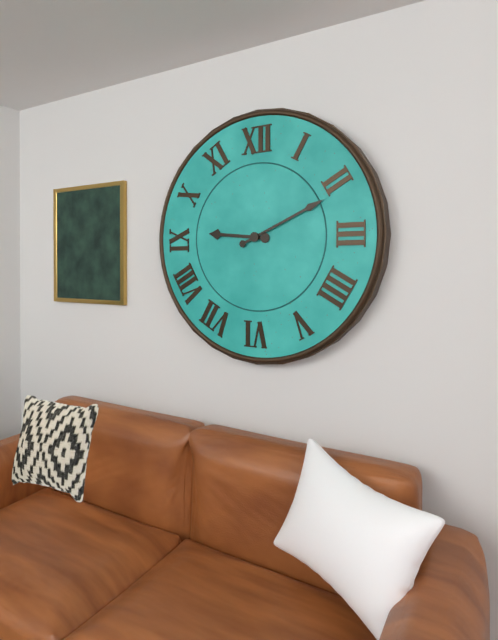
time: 9:11
